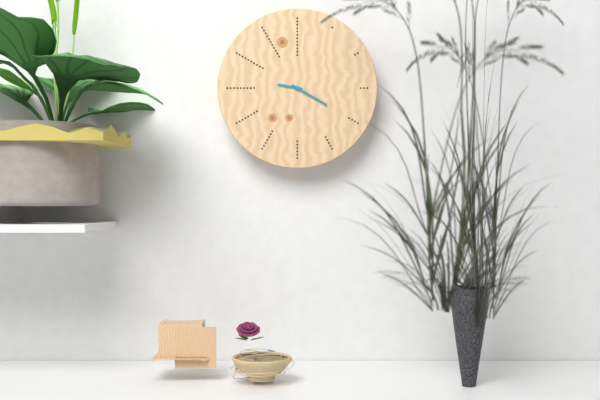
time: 9:20
